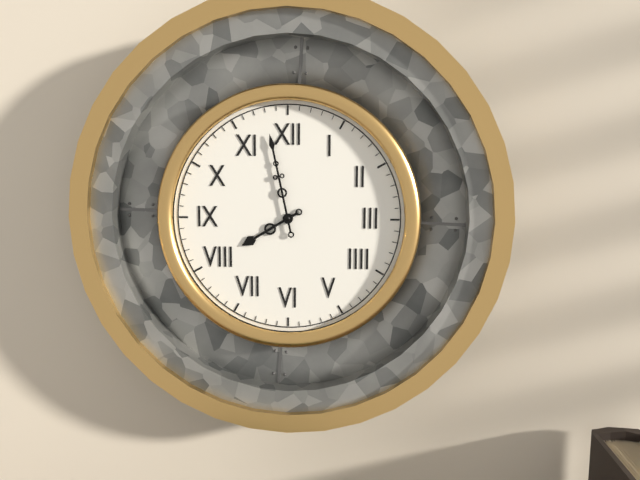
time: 7:58
